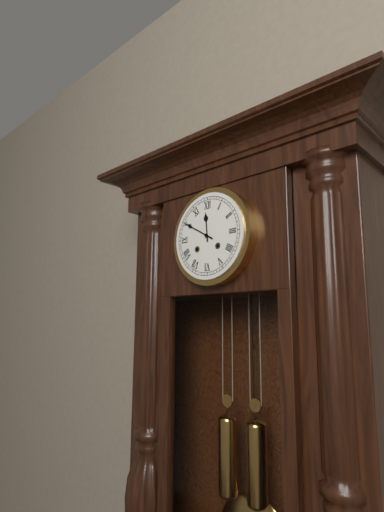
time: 11:50
